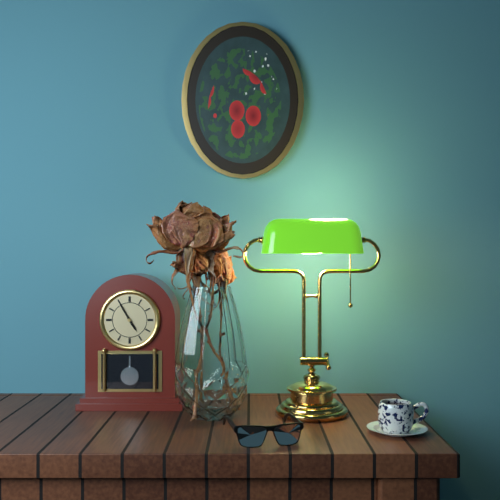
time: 4:55
